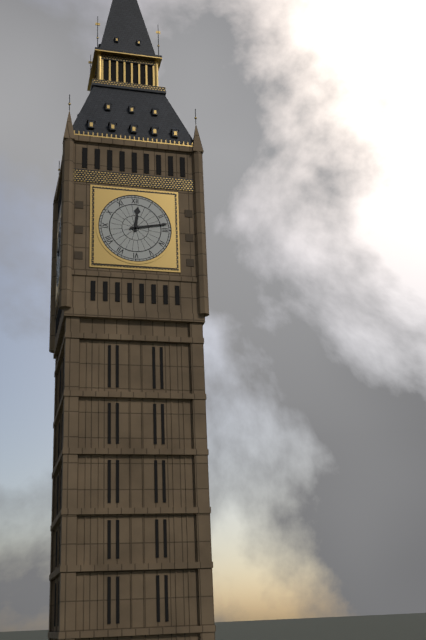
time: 12:13
